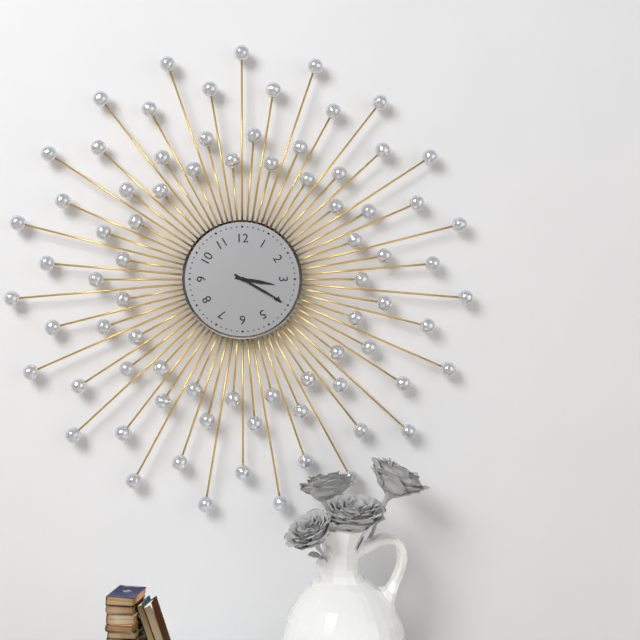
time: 3:20
